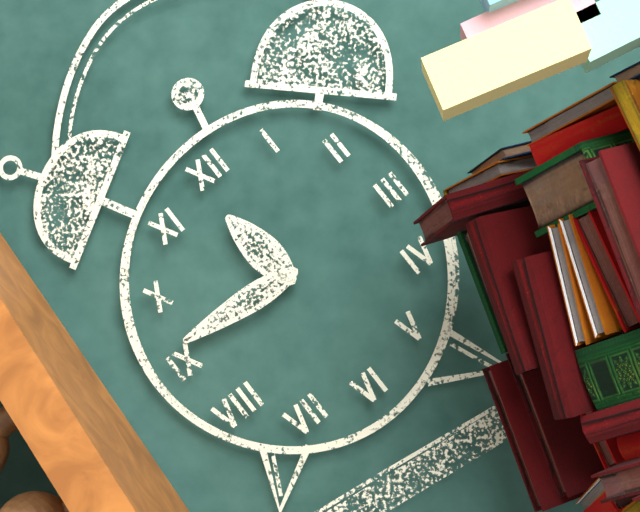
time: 11:46
